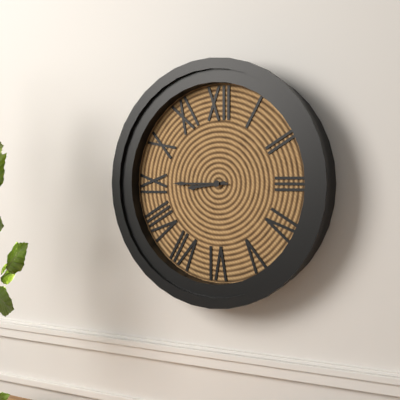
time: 8:45
